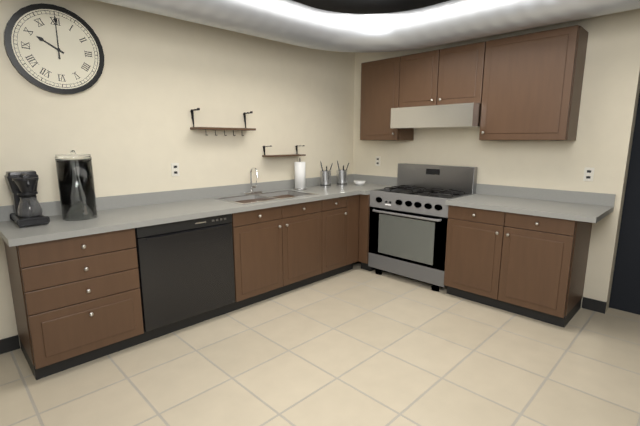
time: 10:00
